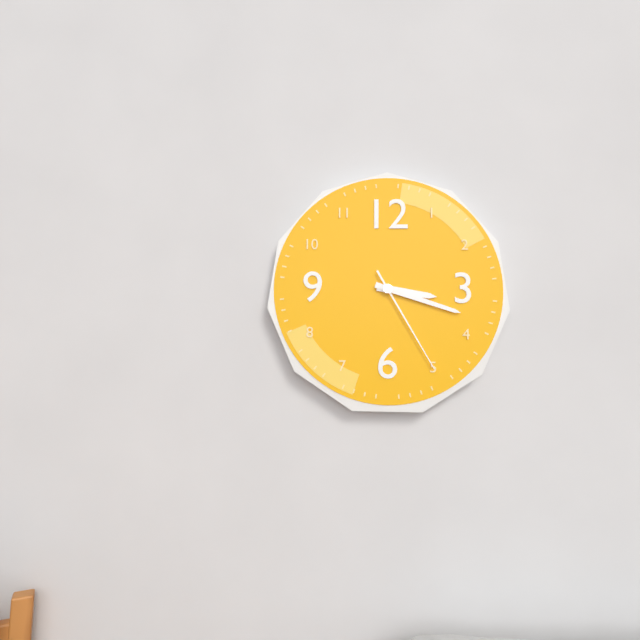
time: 3:18:25
